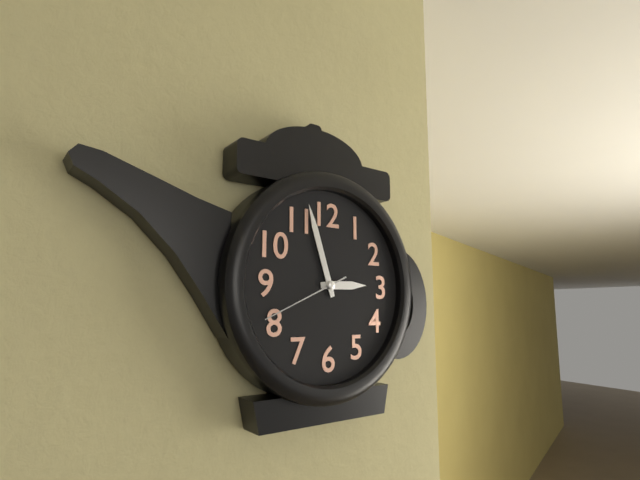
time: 2:57:41
